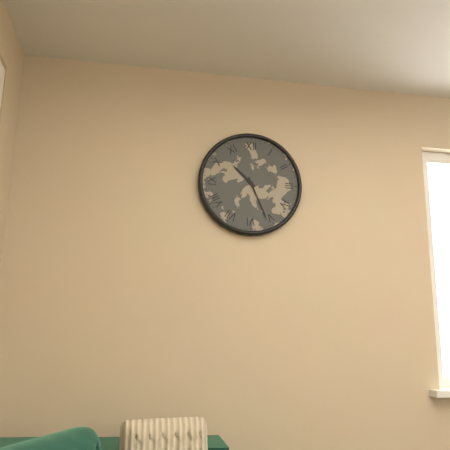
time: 10:26
